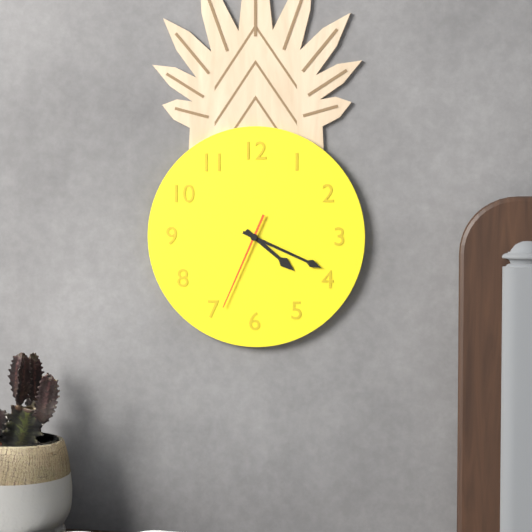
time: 4:19:34
